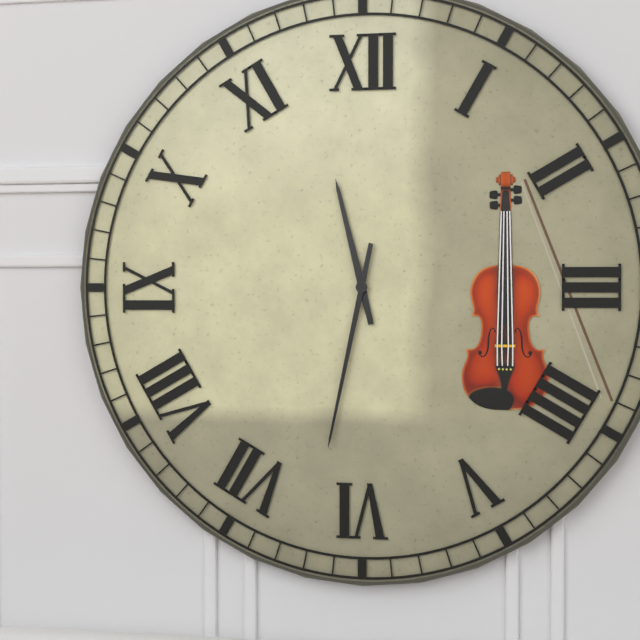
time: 11:32
